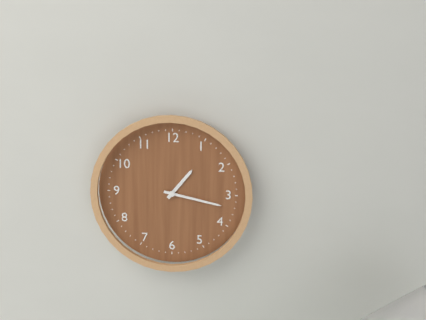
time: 1:17
